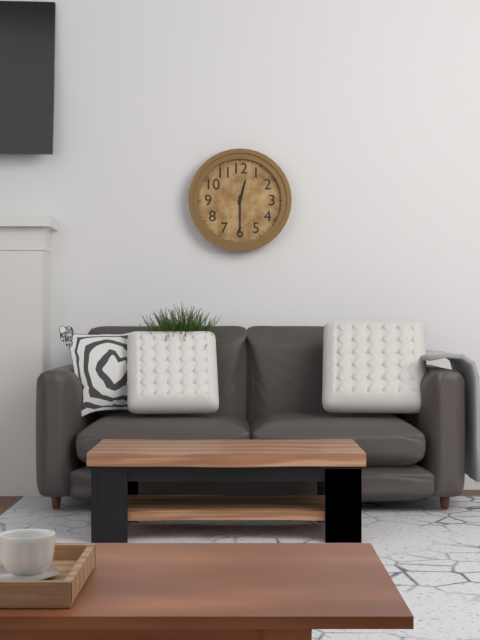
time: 12:30
